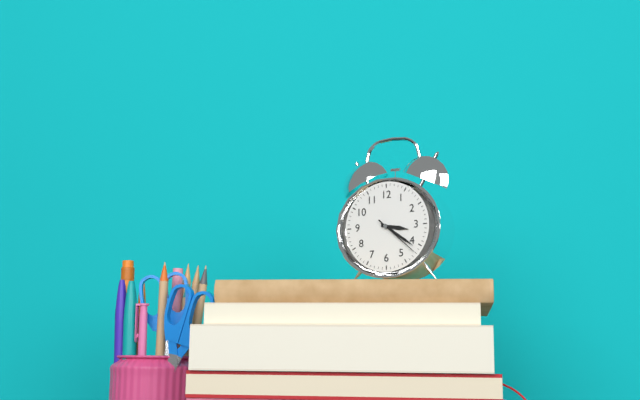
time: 3:21
